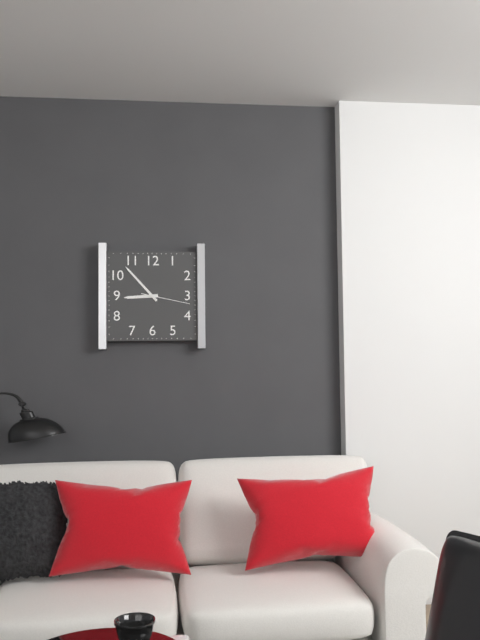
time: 8:53
